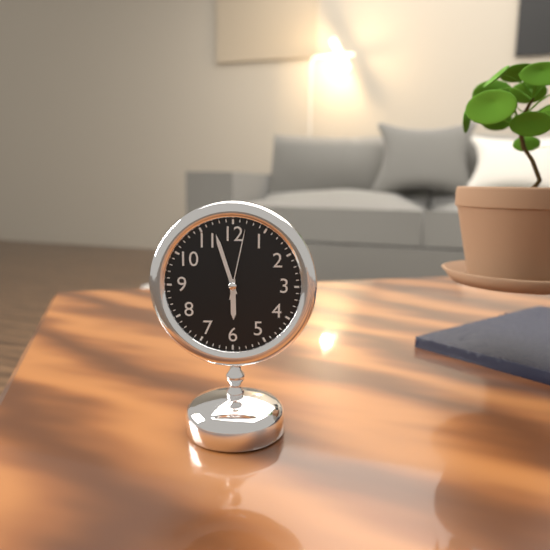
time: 5:57:02
